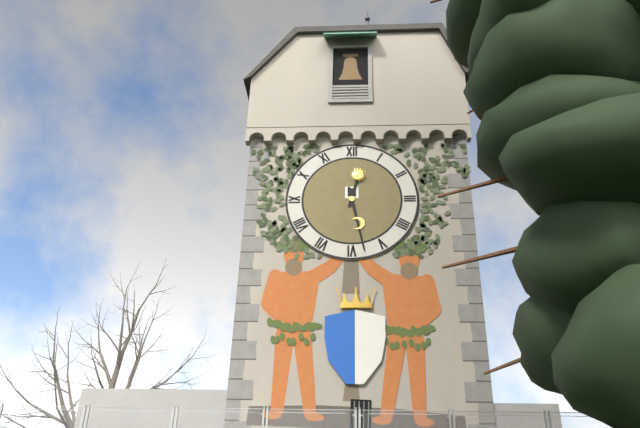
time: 12:28
